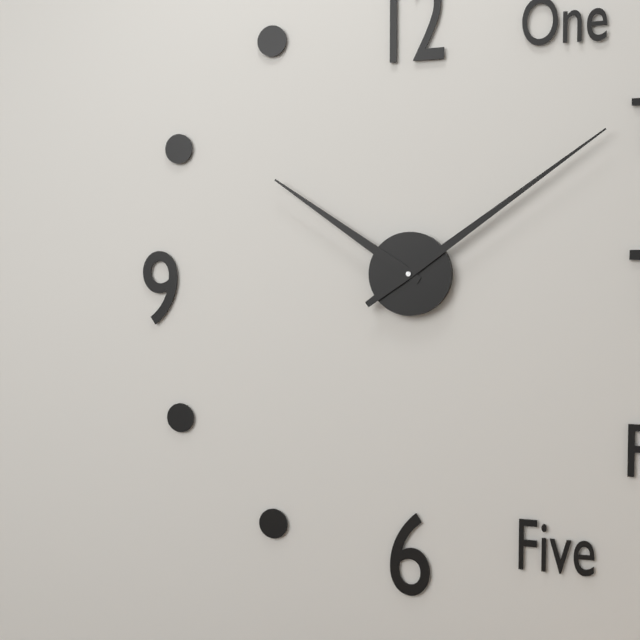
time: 10:09
